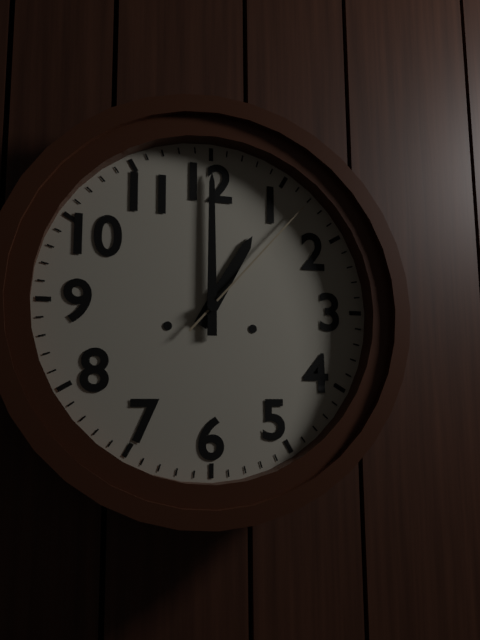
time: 1:00:07
